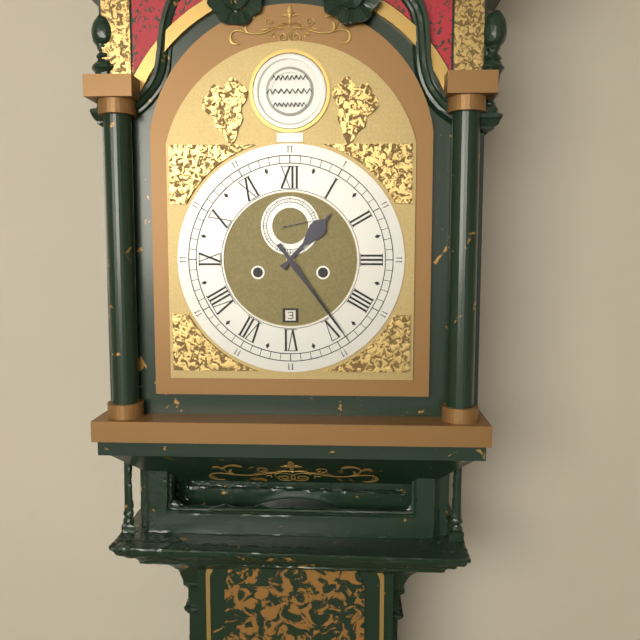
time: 1:24
